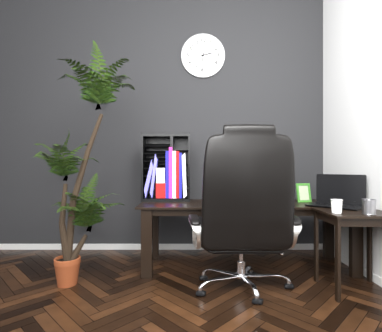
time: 2:31
